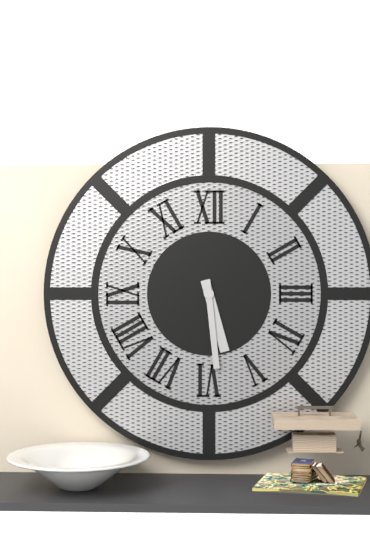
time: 5:29
